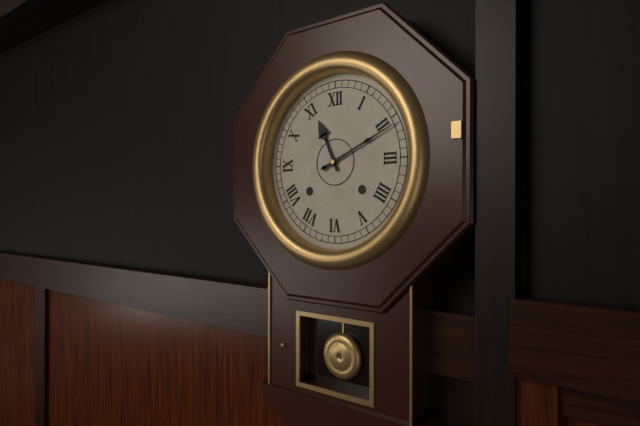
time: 11:11
